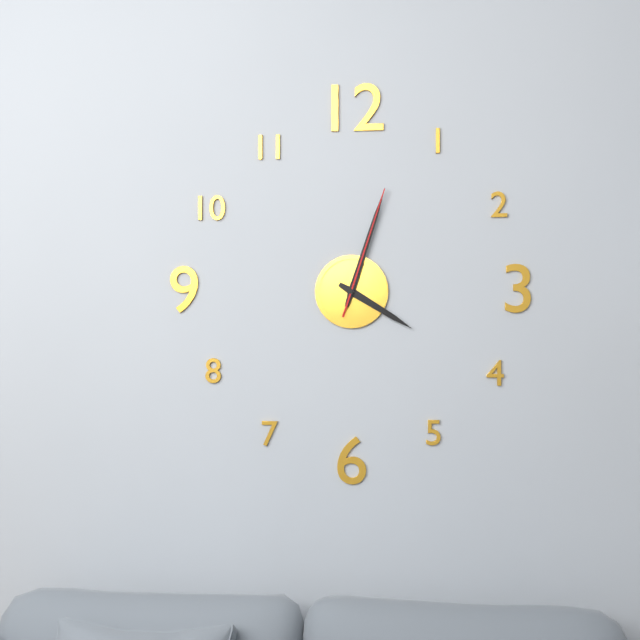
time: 4:03:03
